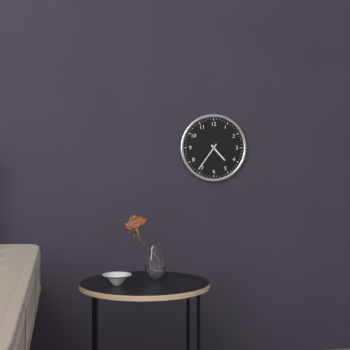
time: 4:36
